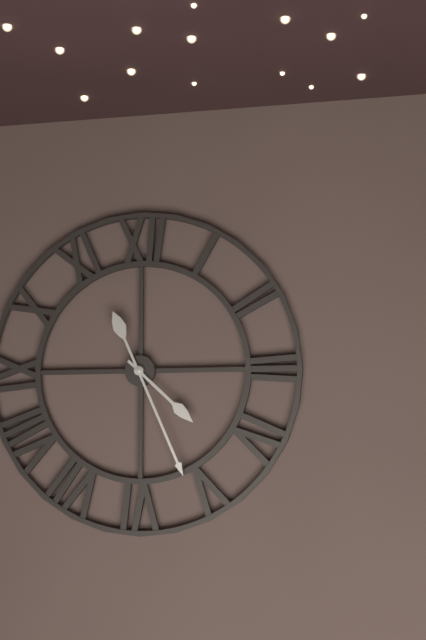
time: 4:26
